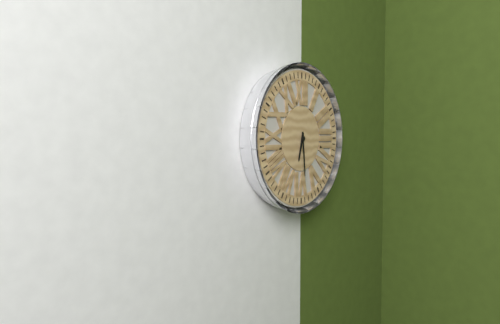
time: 6:29
